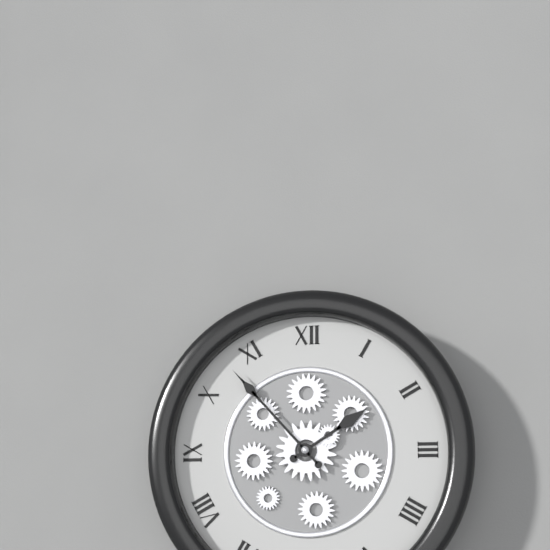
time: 1:53
